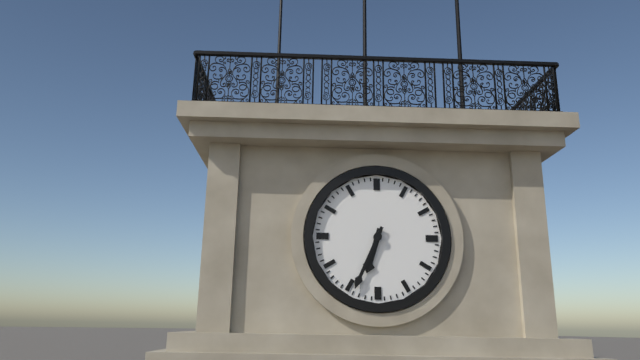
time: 6:34
